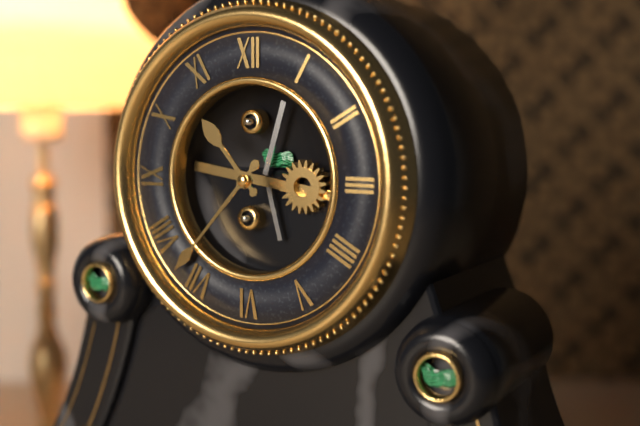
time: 10:37
